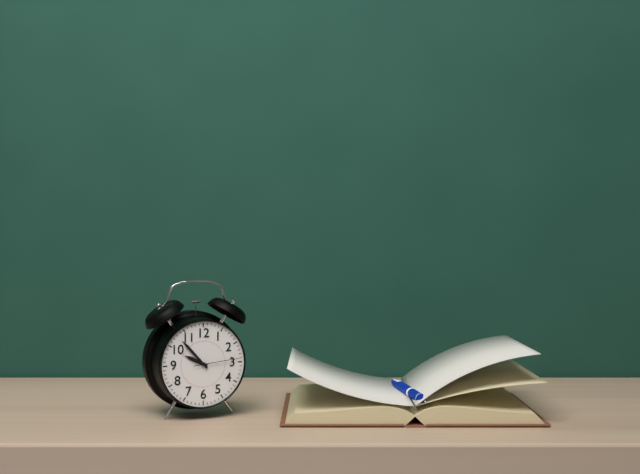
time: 9:53:14
